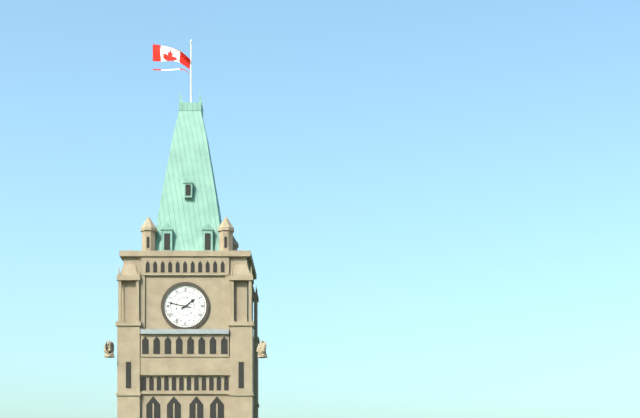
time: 1:47
